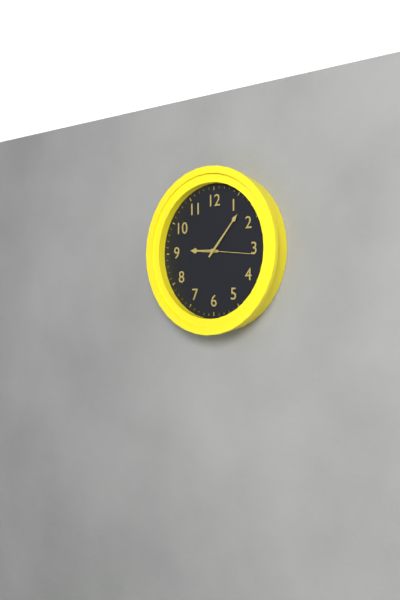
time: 9:07:16
